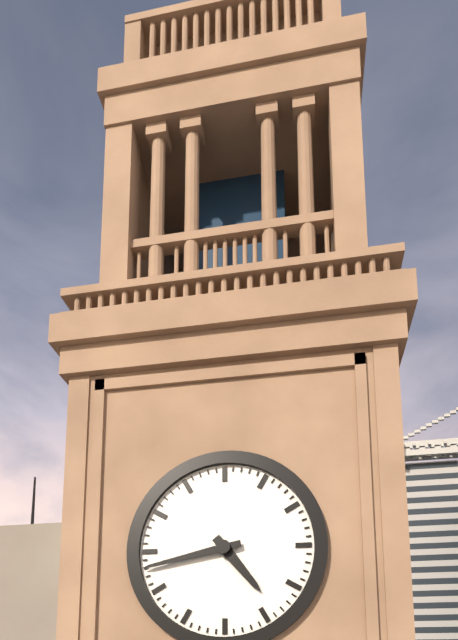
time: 4:43
